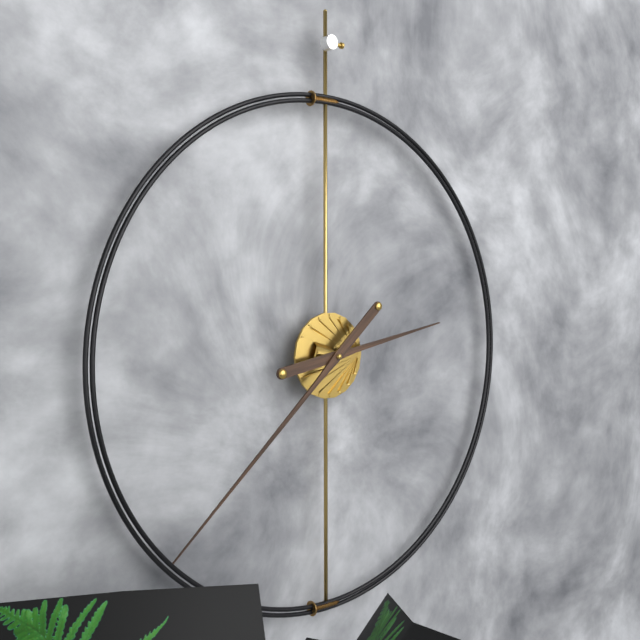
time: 2:38
